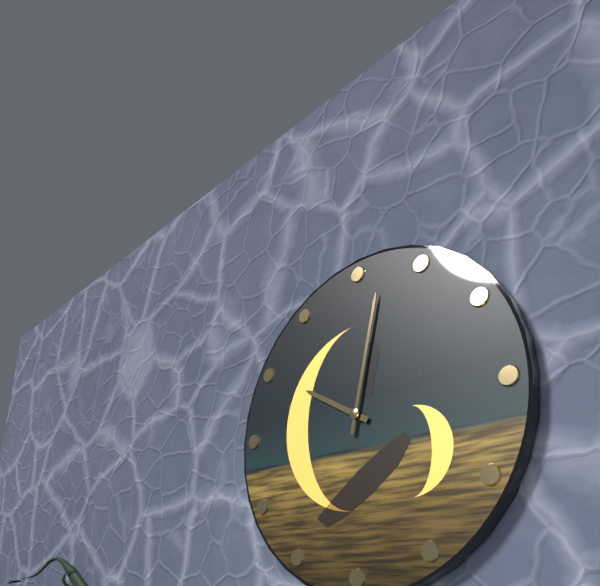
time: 10:02
